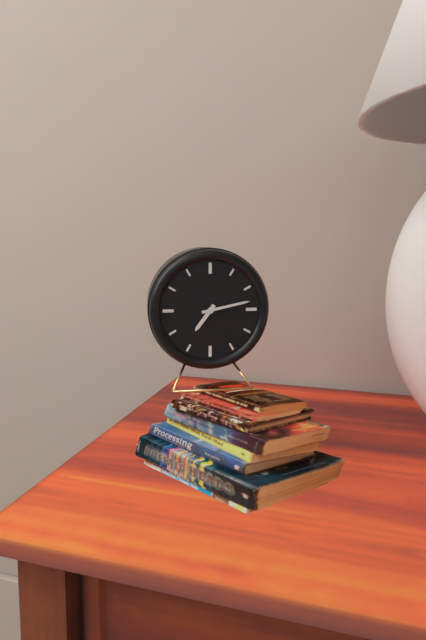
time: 7:13
